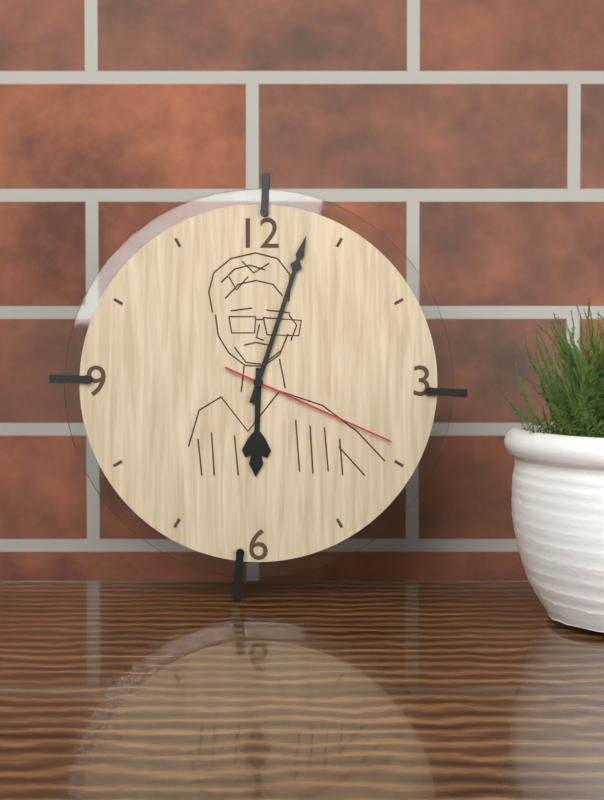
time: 6:03:19
